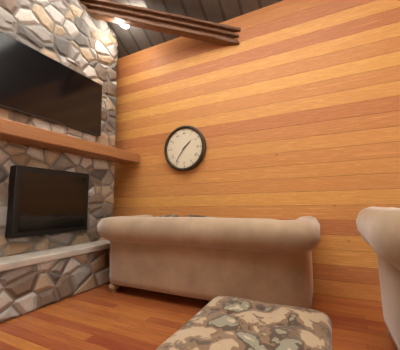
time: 1:36
